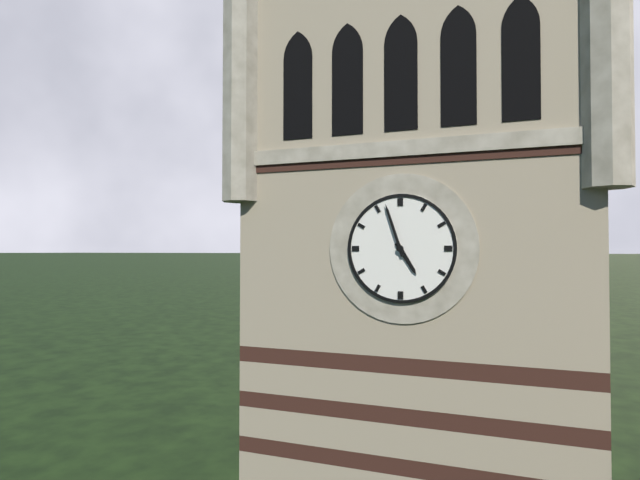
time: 4:57
